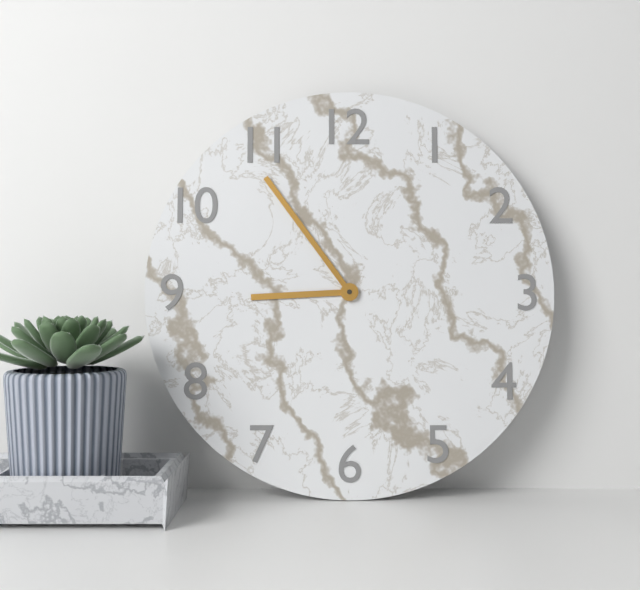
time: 8:54
